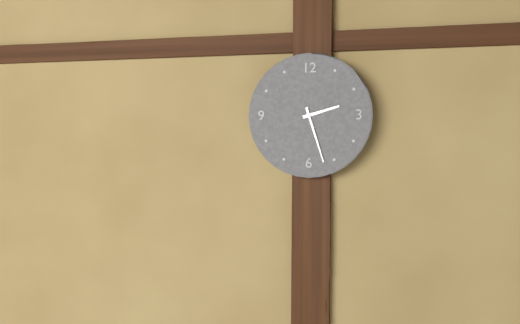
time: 2:27
